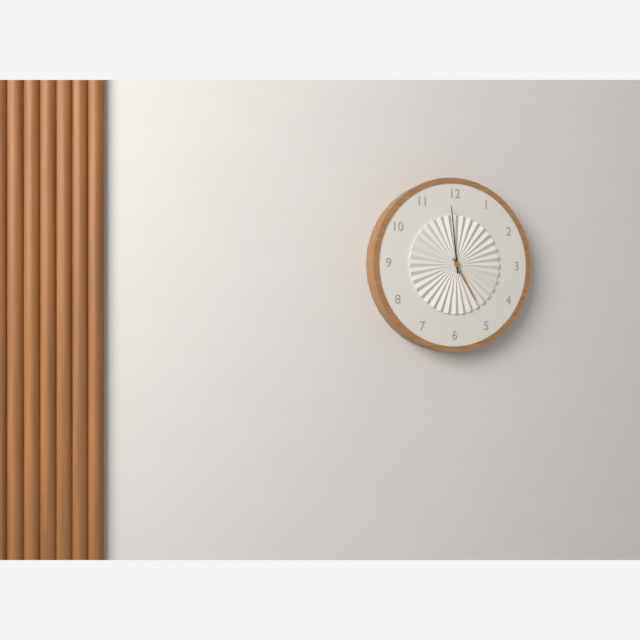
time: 4:59
